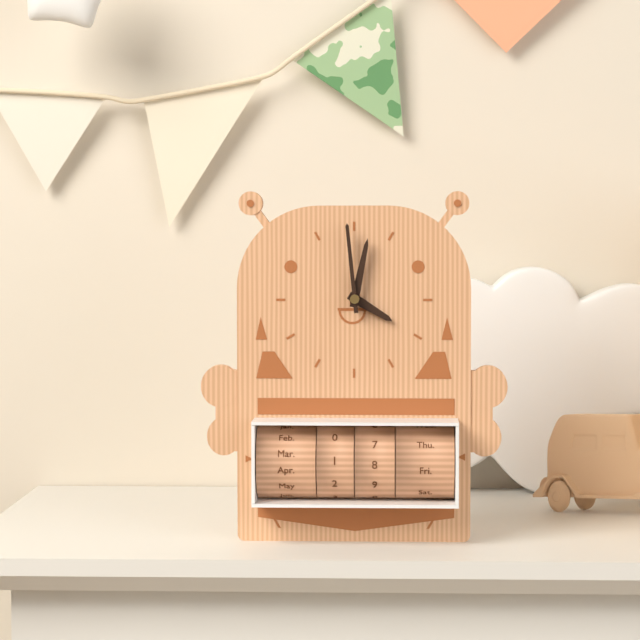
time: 4:02:59
